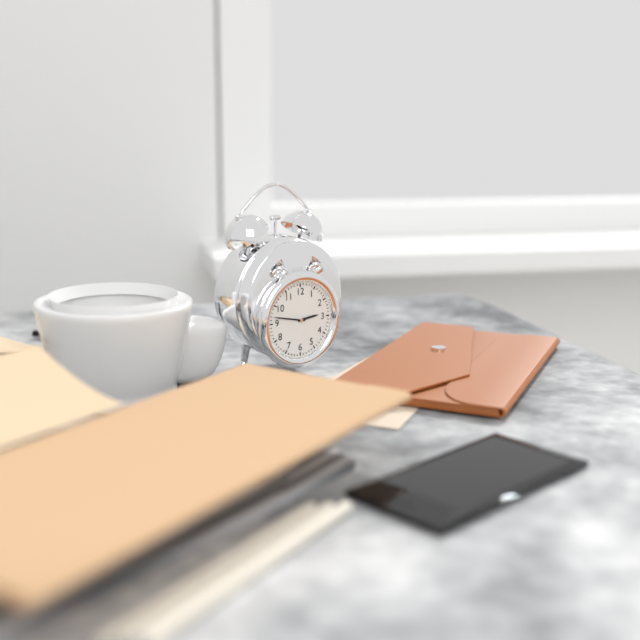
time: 2:47
